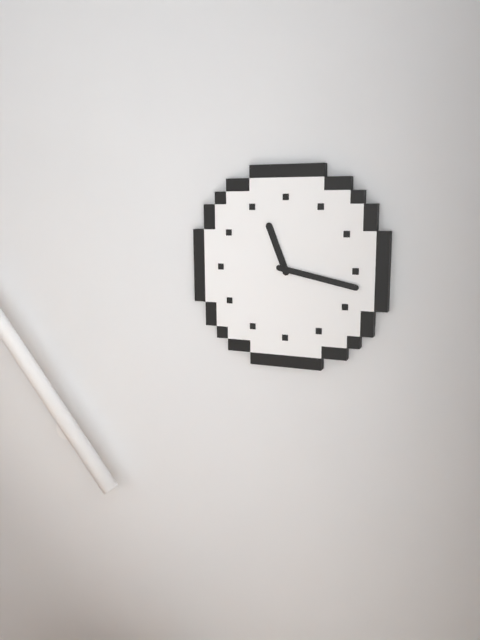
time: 11:17
